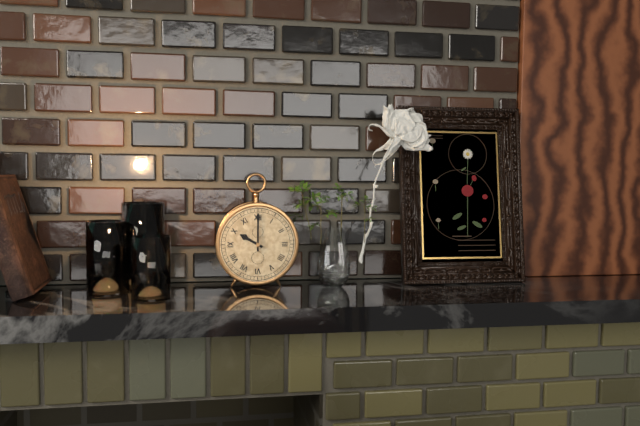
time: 10:00
